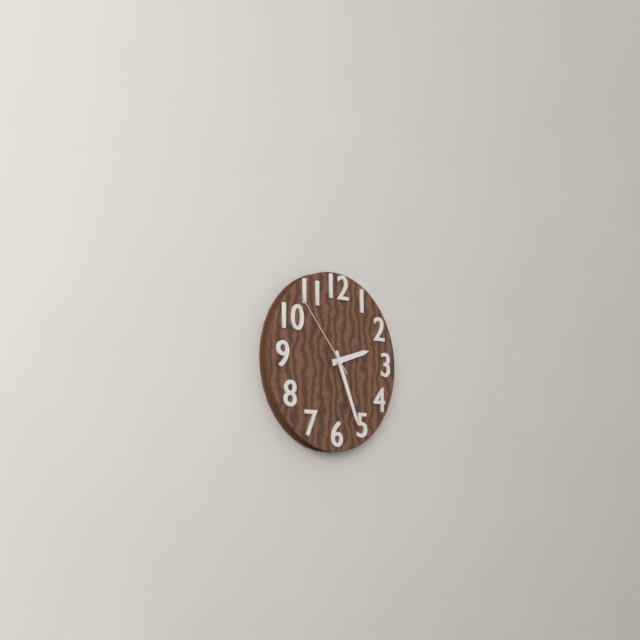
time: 2:26:53
